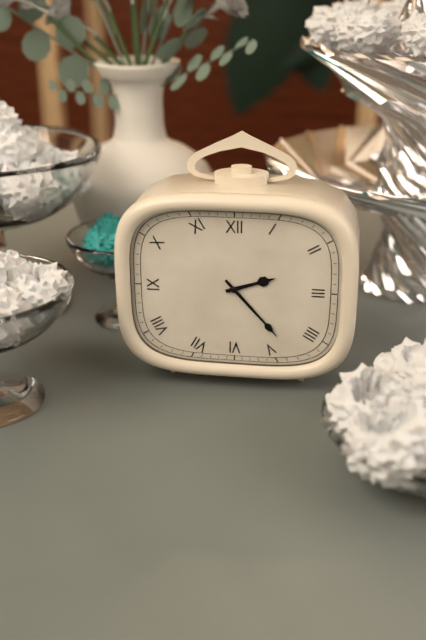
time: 2:23
